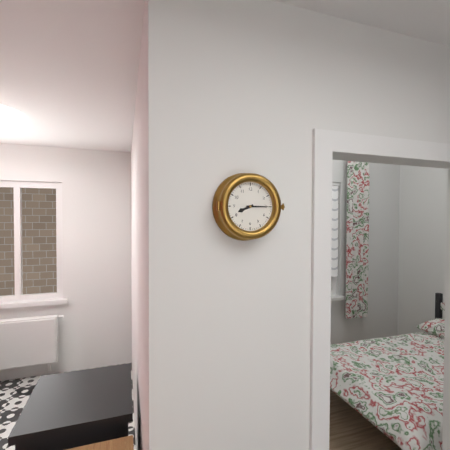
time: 8:15
